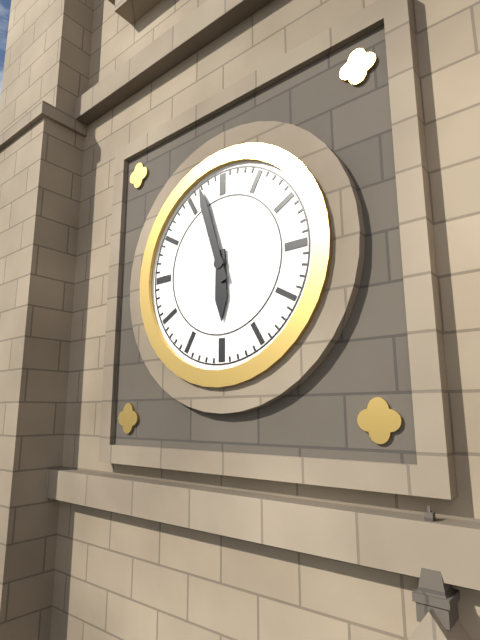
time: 5:57
